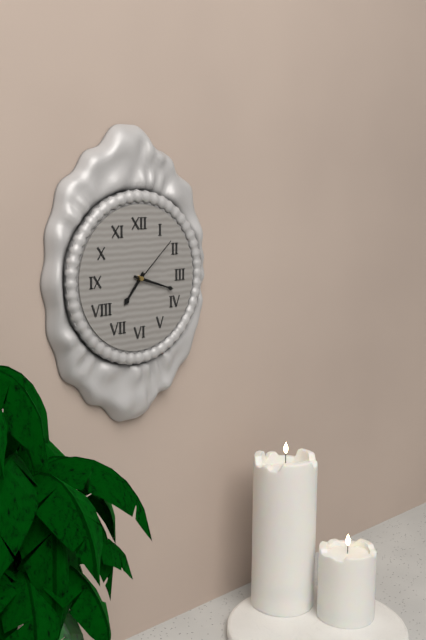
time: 7:18:08
